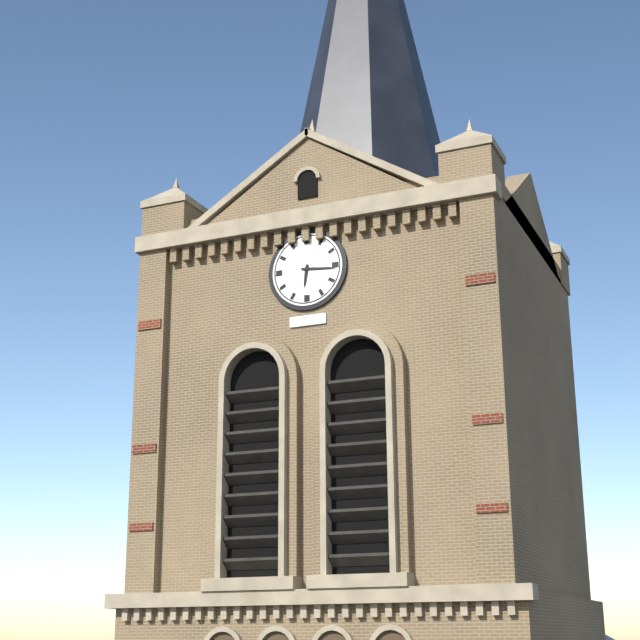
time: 6:16
